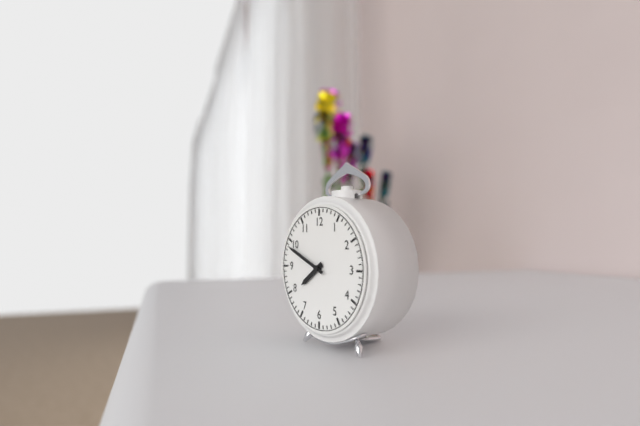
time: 7:49
